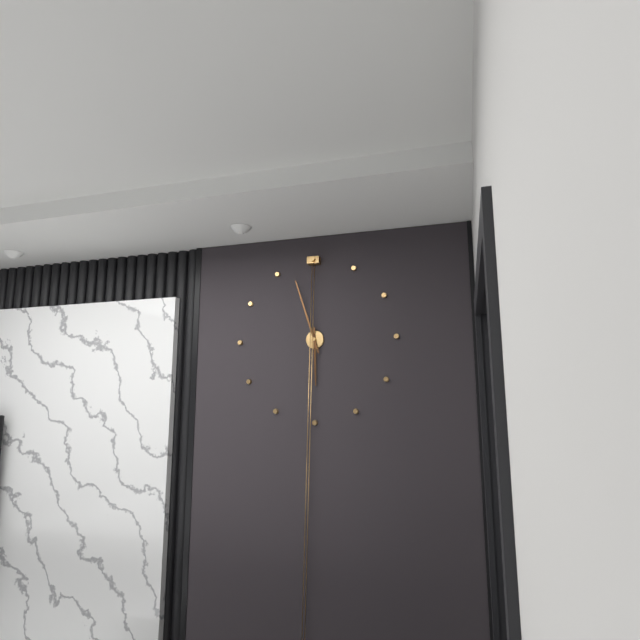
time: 5:57
